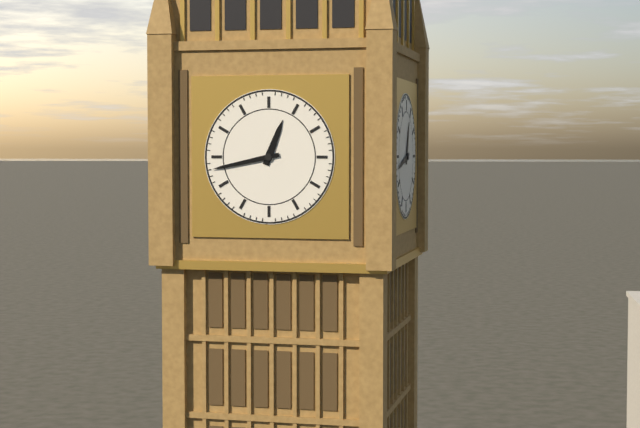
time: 12:43
